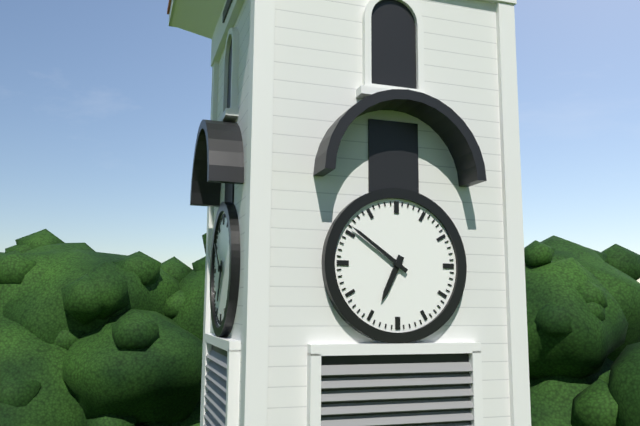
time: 6:51
